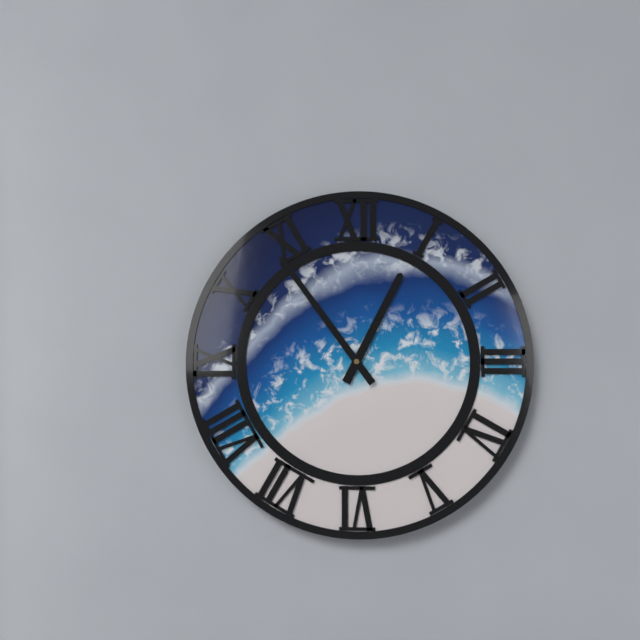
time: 12:54
